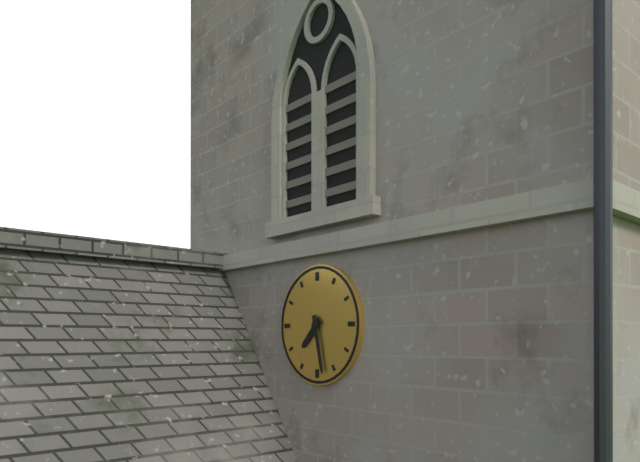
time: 7:28
